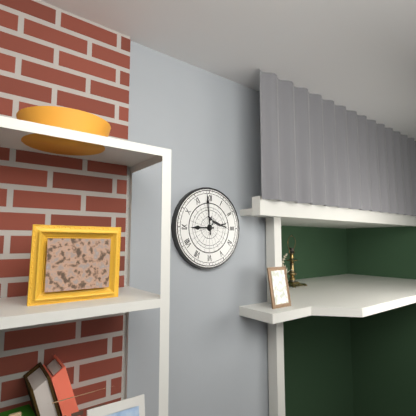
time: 8:59
